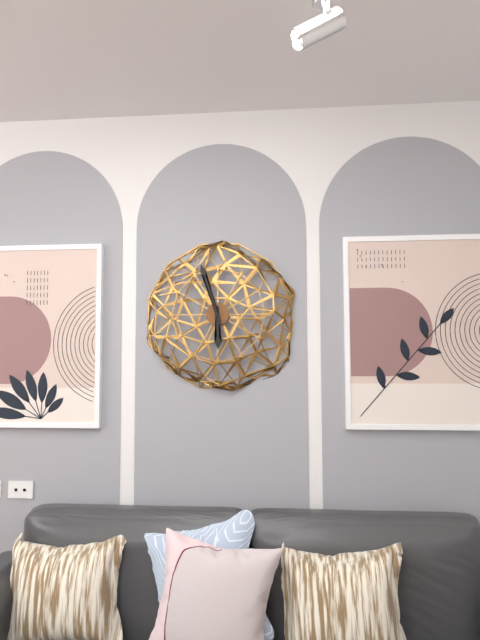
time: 5:57
